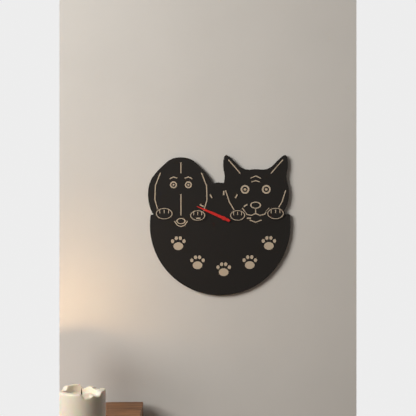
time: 9:49
